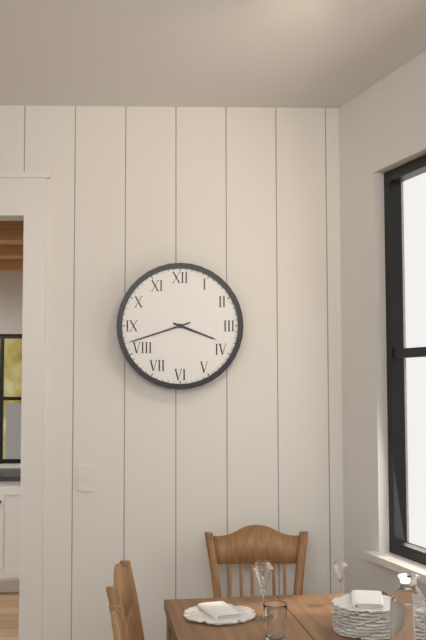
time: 3:42
